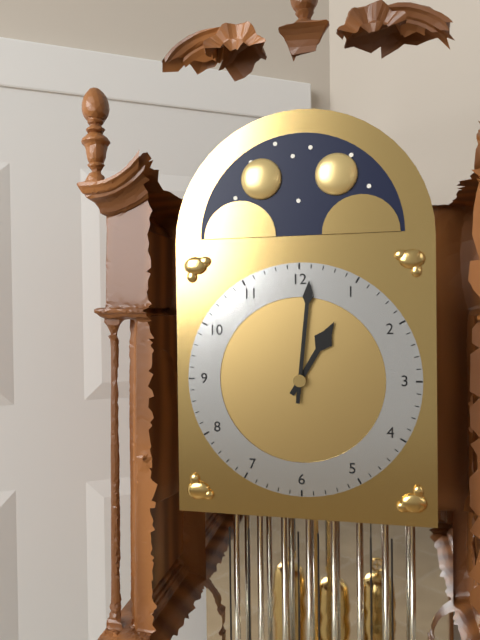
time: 1:01
